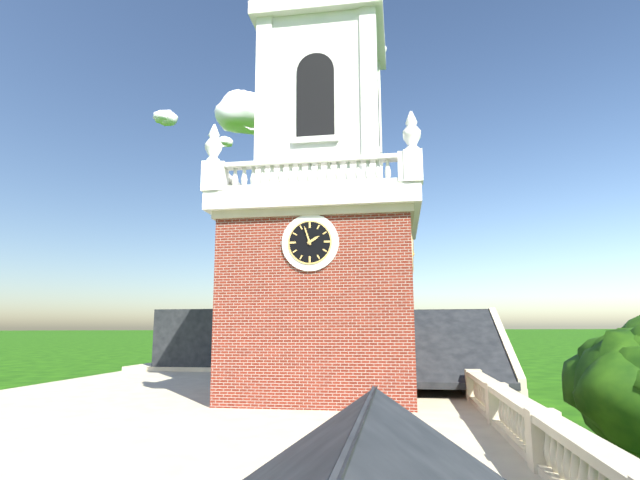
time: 1:57
